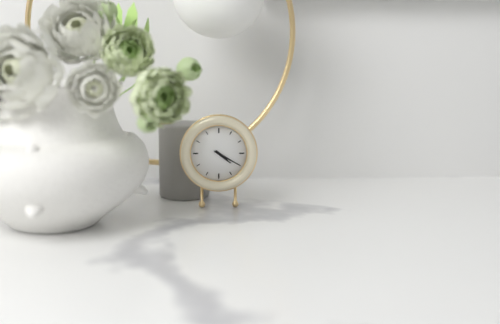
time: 4:20
